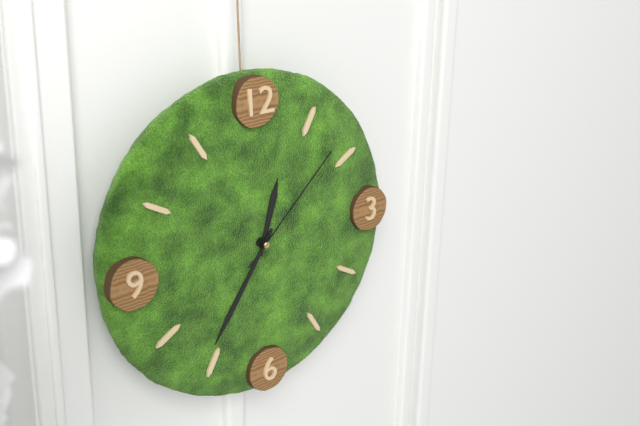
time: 12:36:08
